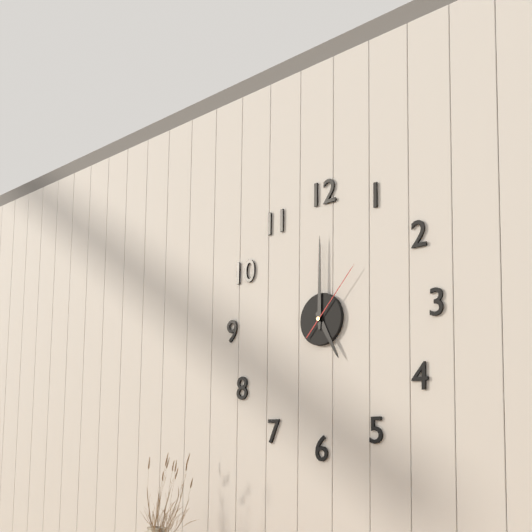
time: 5:00:07
